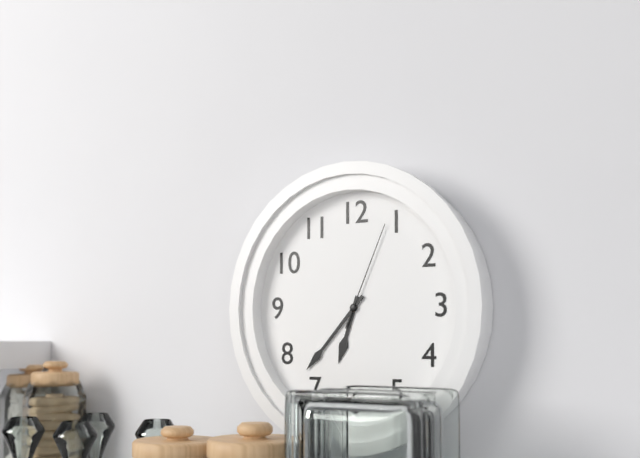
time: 6:37:04
